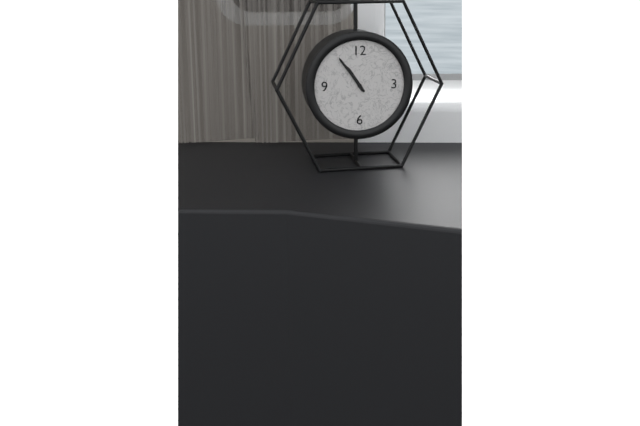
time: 10:54
